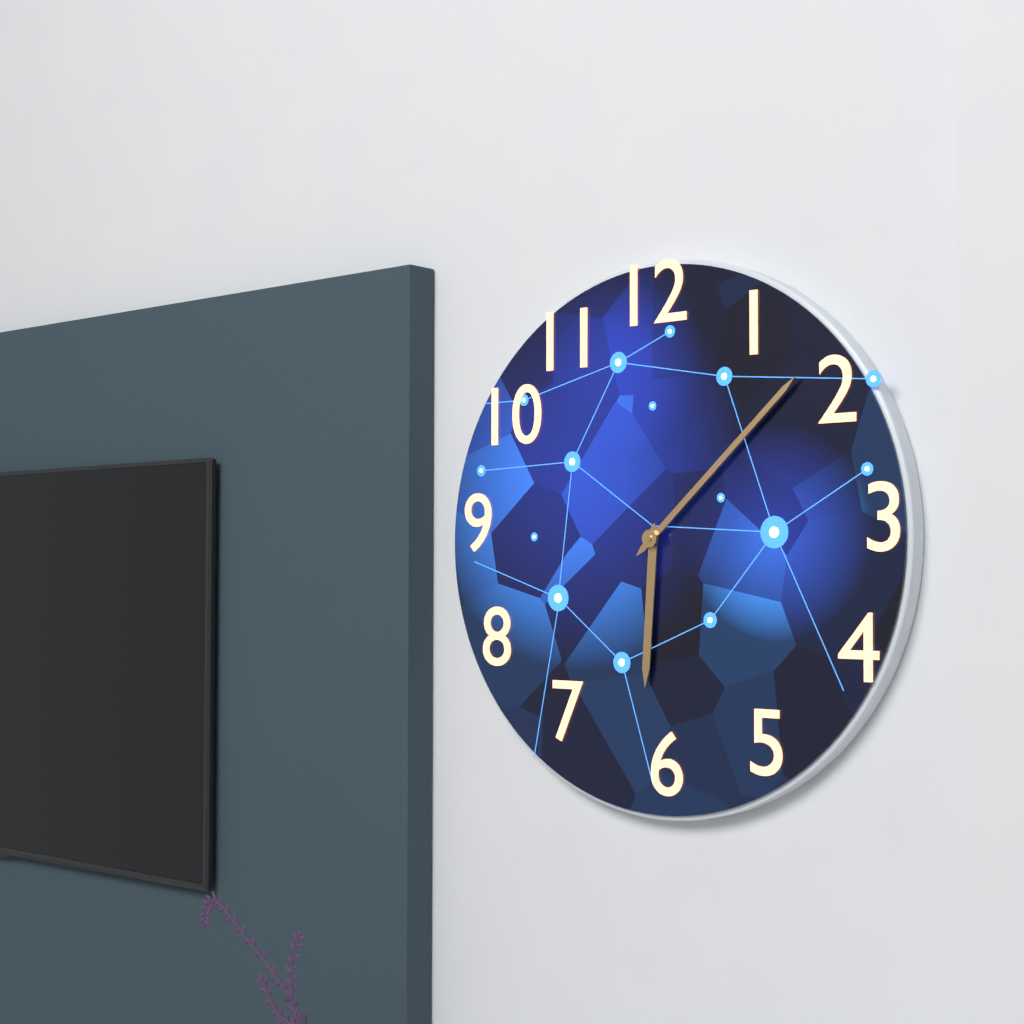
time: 6:08
